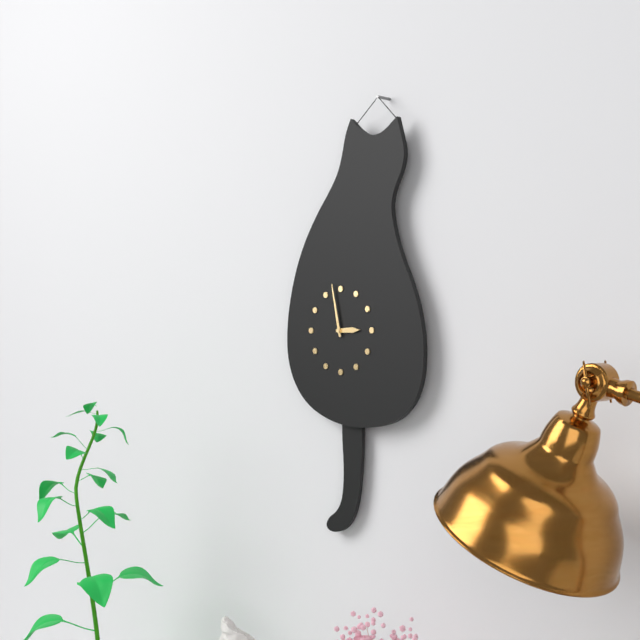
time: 2:58
